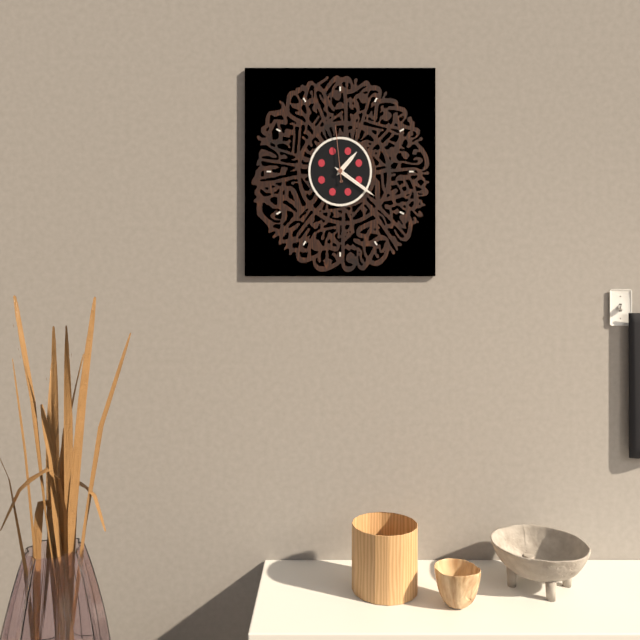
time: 1:21:59
